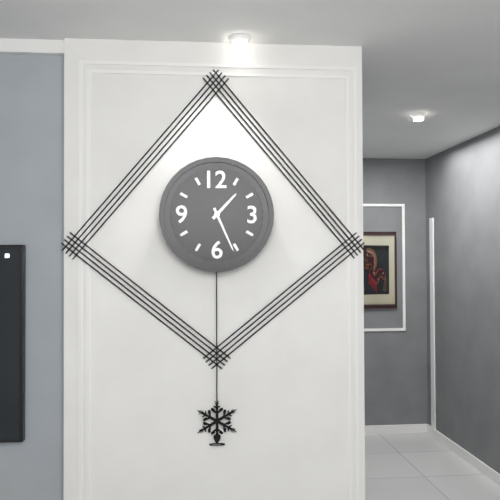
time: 1:26
